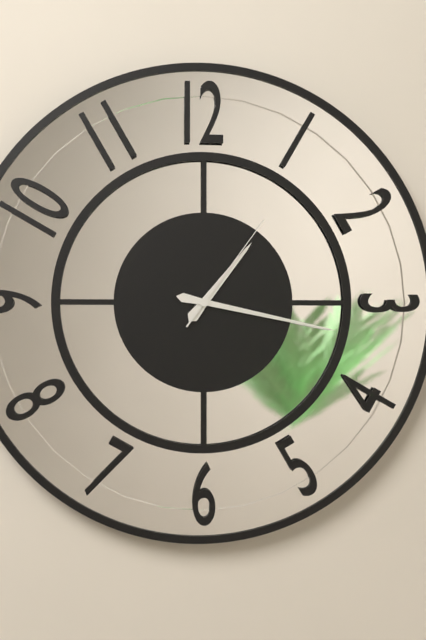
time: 1:17:06
